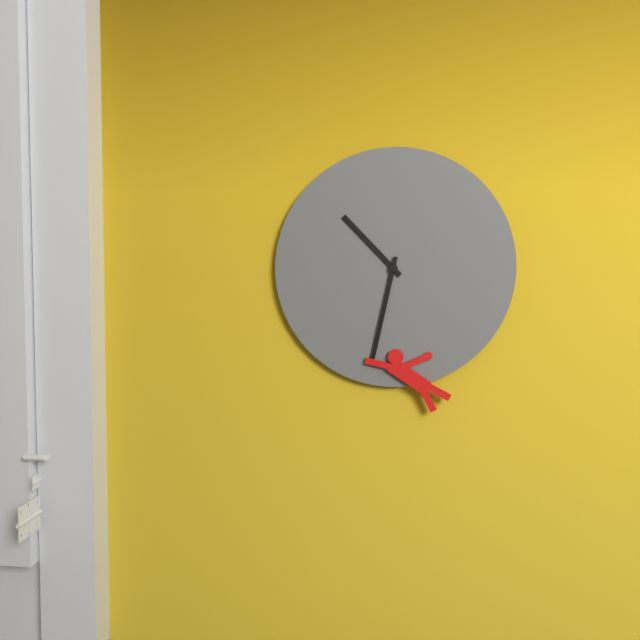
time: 10:32
